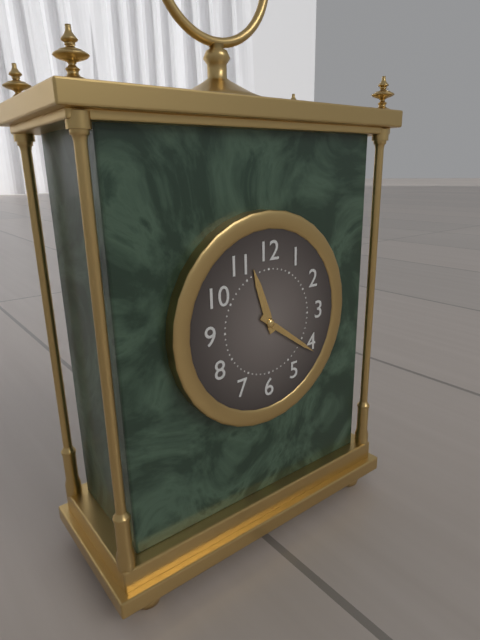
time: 11:21
